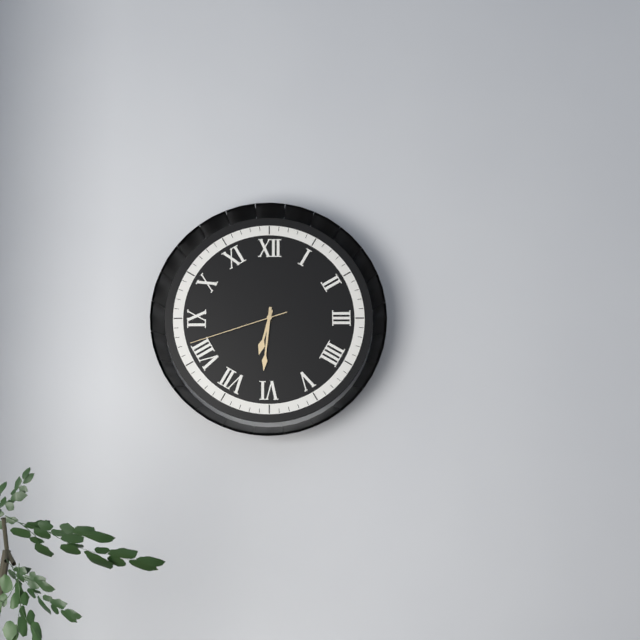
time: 6:31:42
